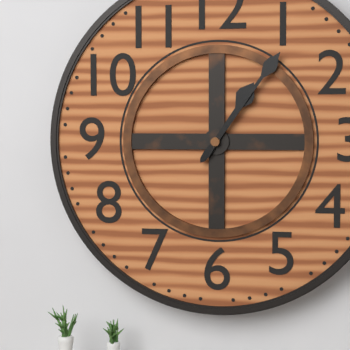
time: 1:06
